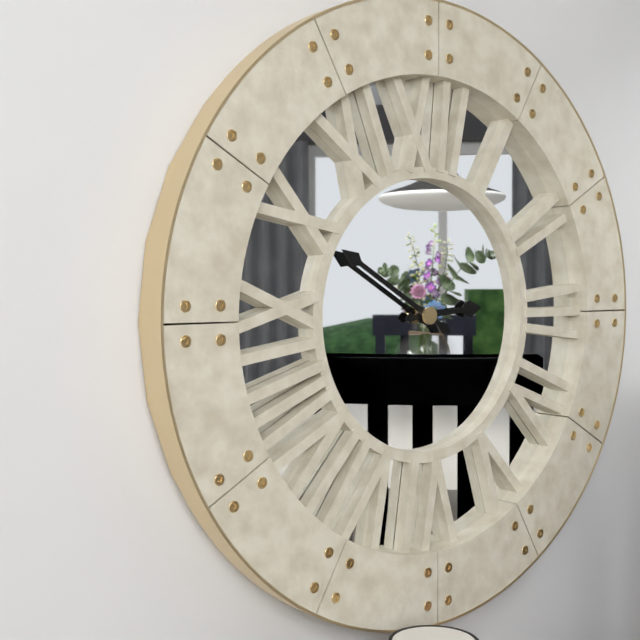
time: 2:50
